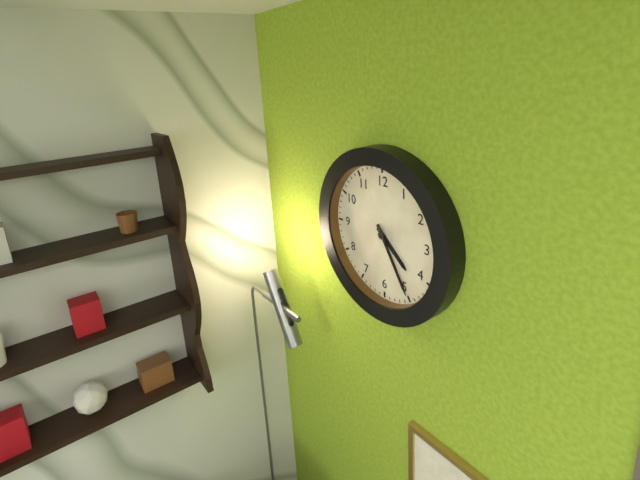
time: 4:25
